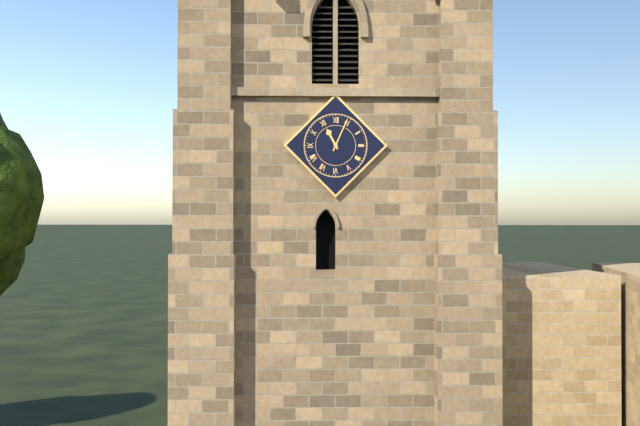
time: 11:04
